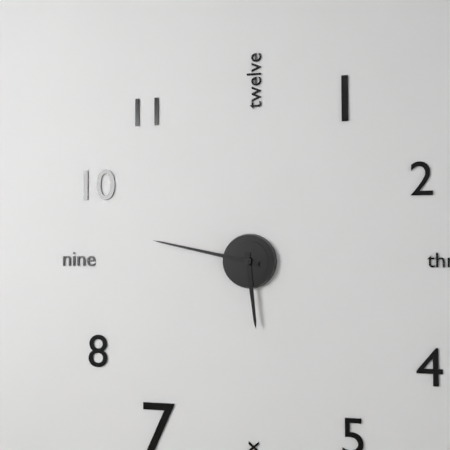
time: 5:47
